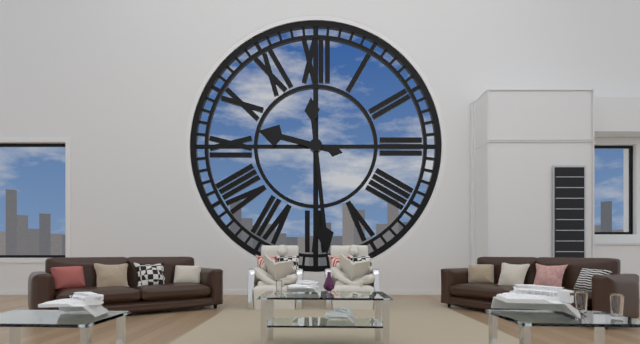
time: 9:29
